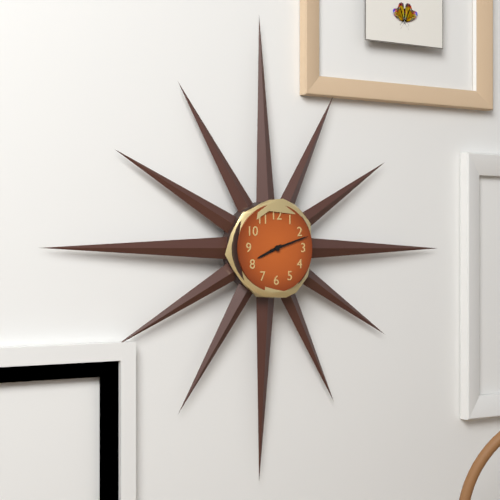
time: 8:12
